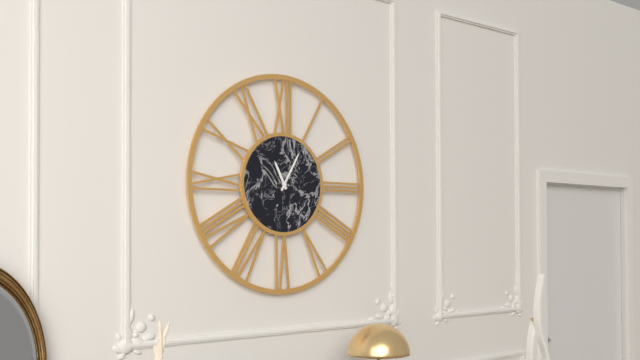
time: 11:05
